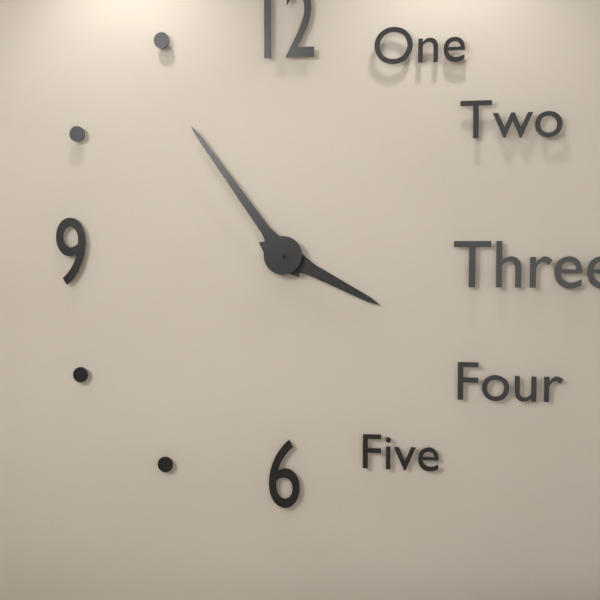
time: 3:54
